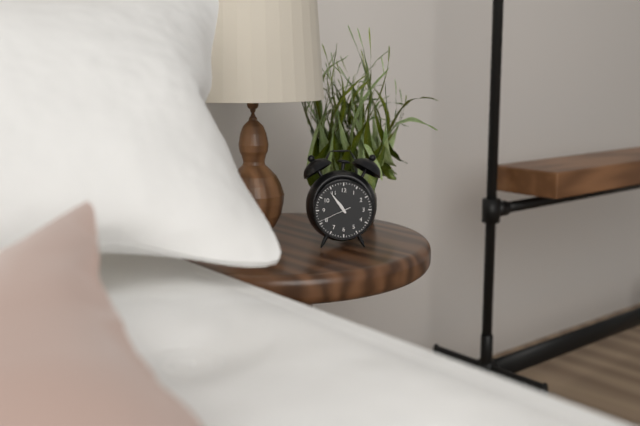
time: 10:54
